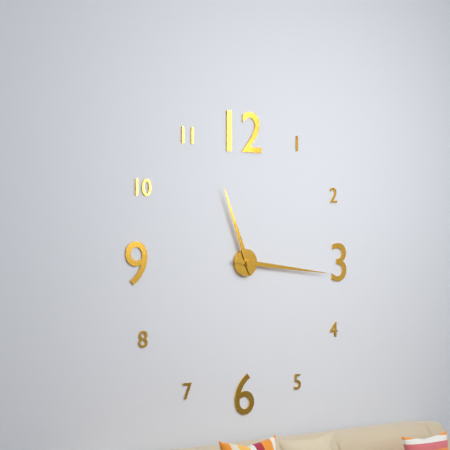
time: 11:16
